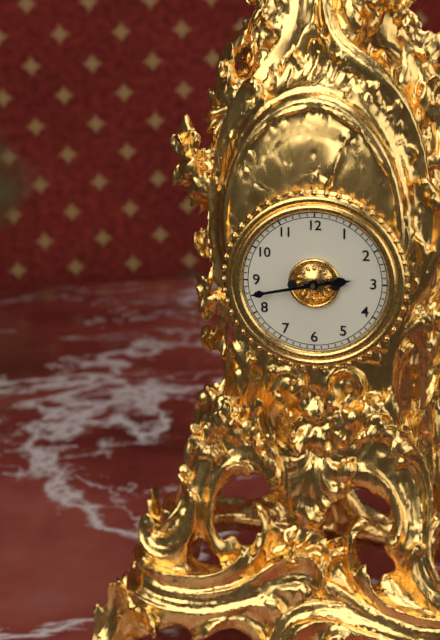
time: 2:43
